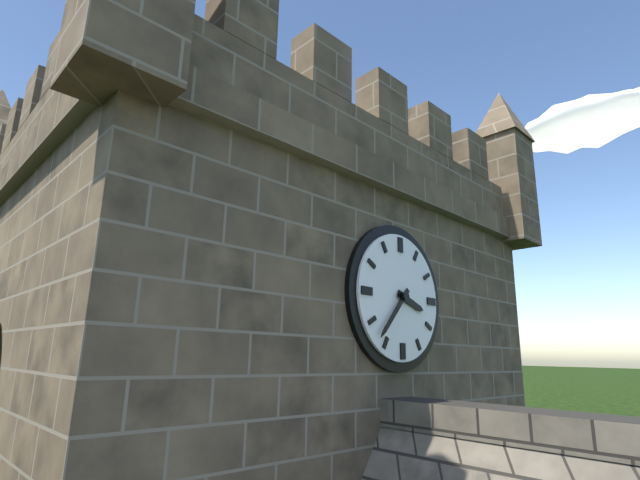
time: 3:37
